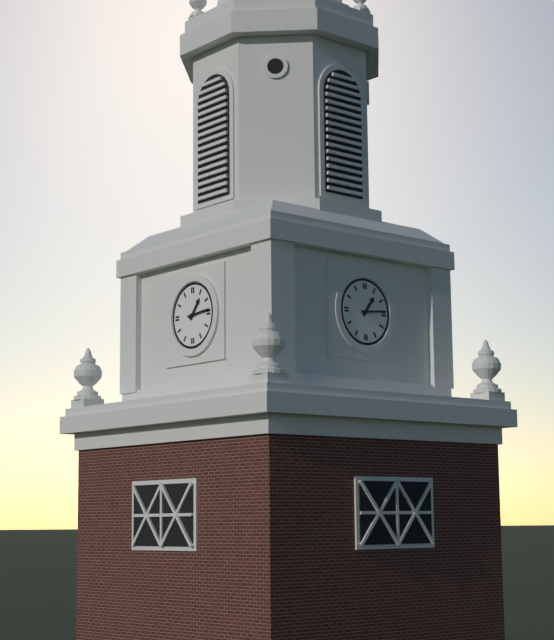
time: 1:14
